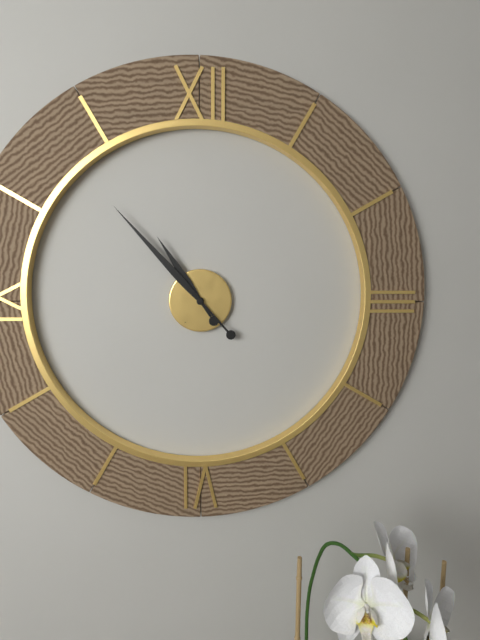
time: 10:53
